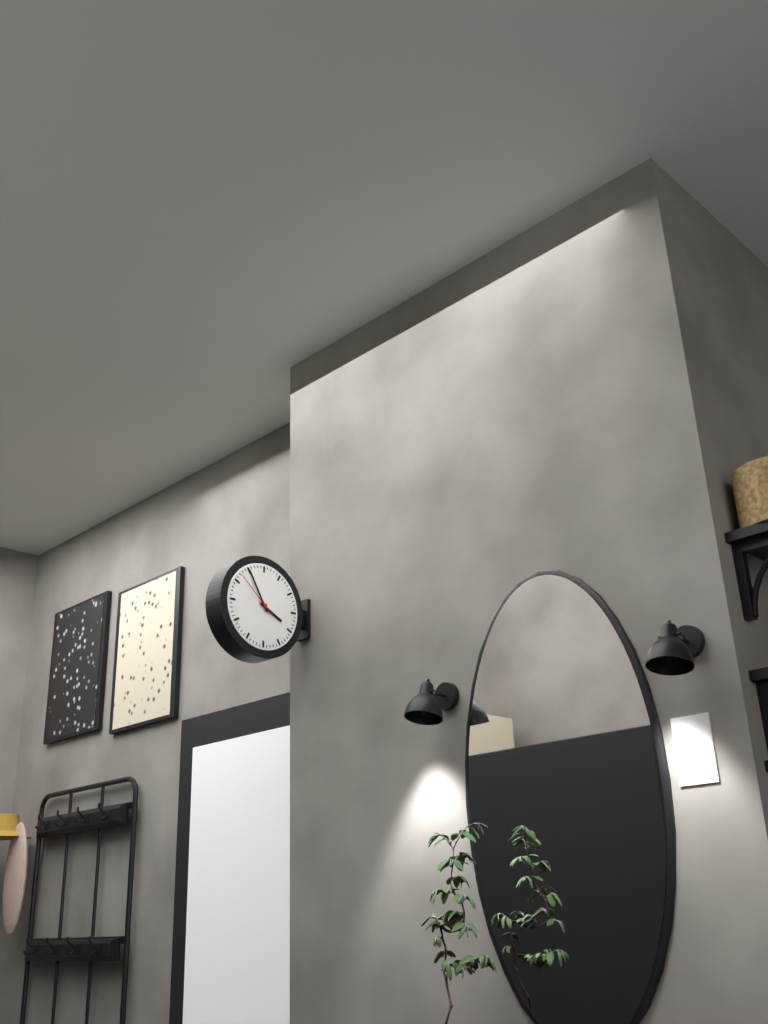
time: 3:55
